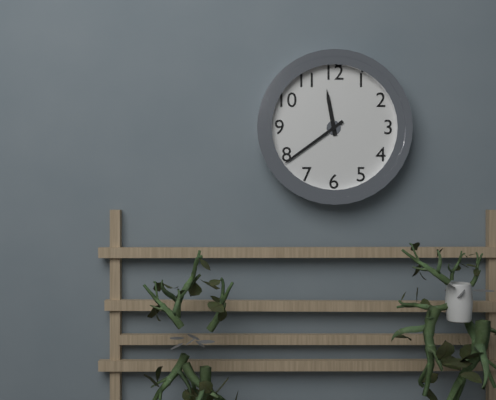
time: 11:39
